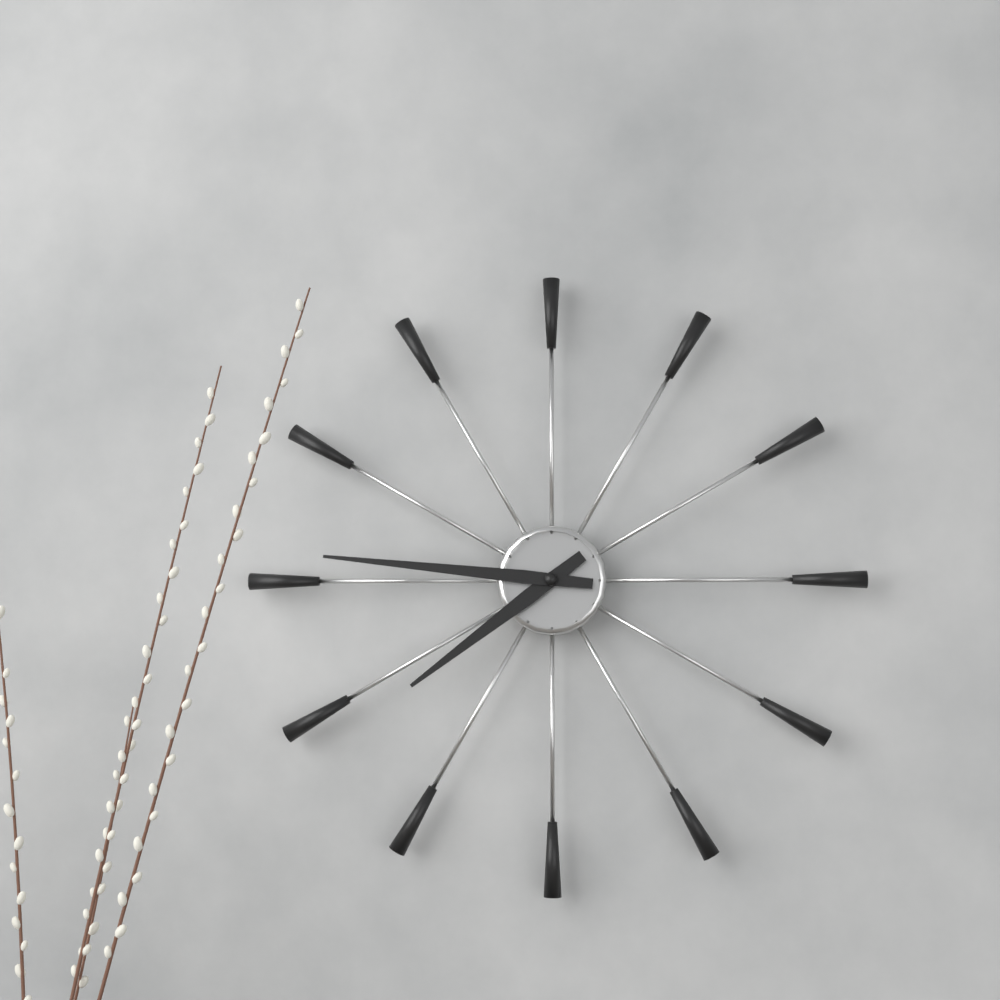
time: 7:46
